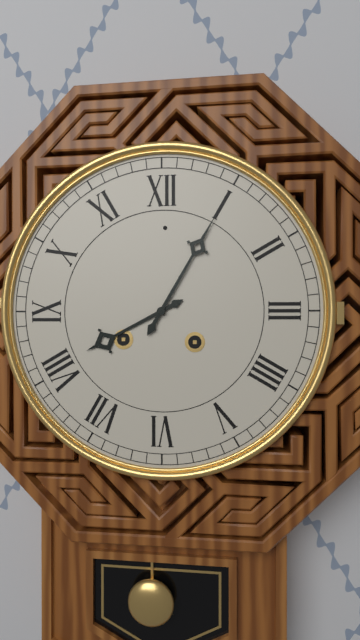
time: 8:05
